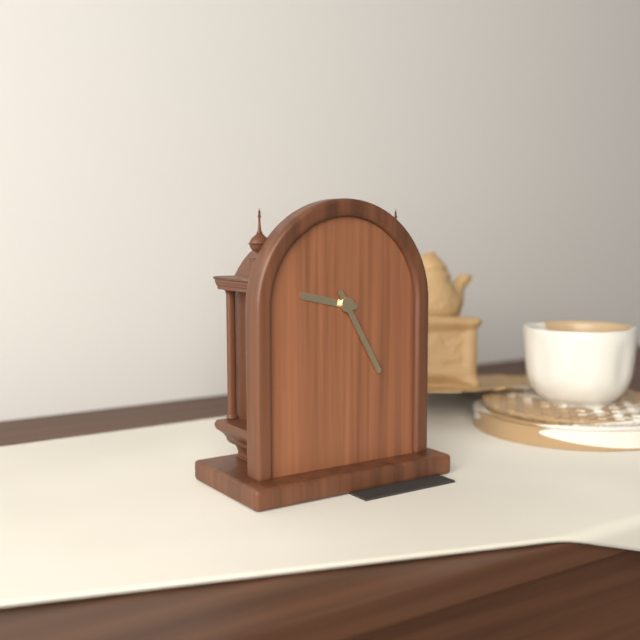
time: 9:25
